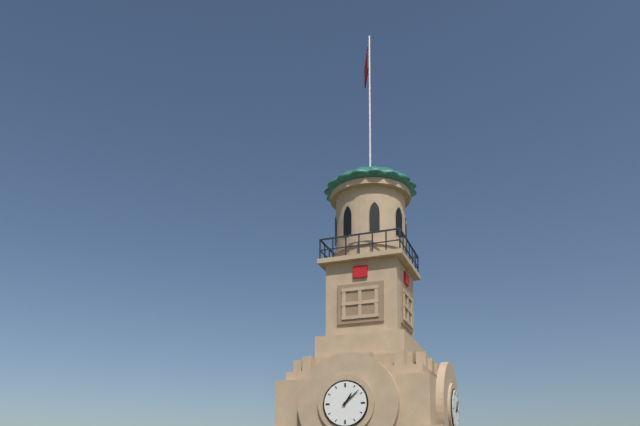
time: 1:08
